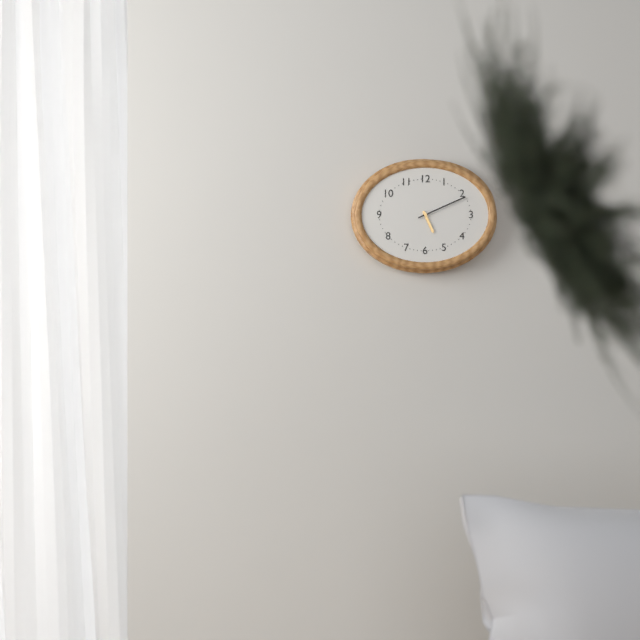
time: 5:11
